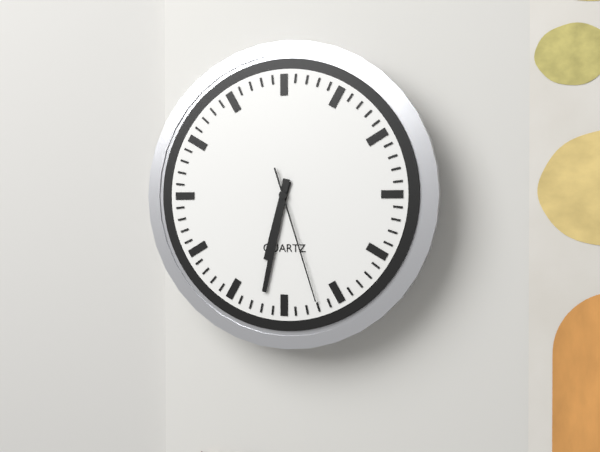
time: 6:32:27
